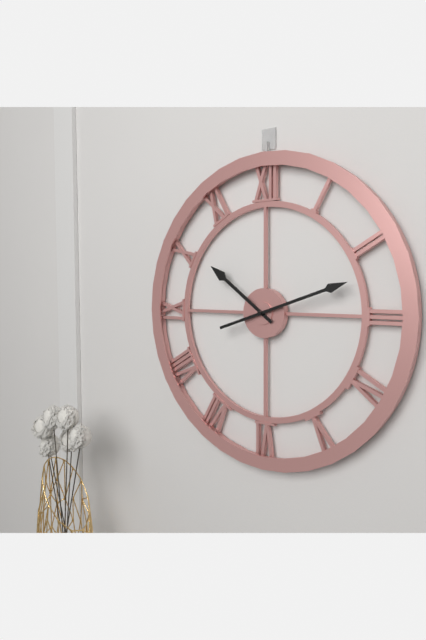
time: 10:12
